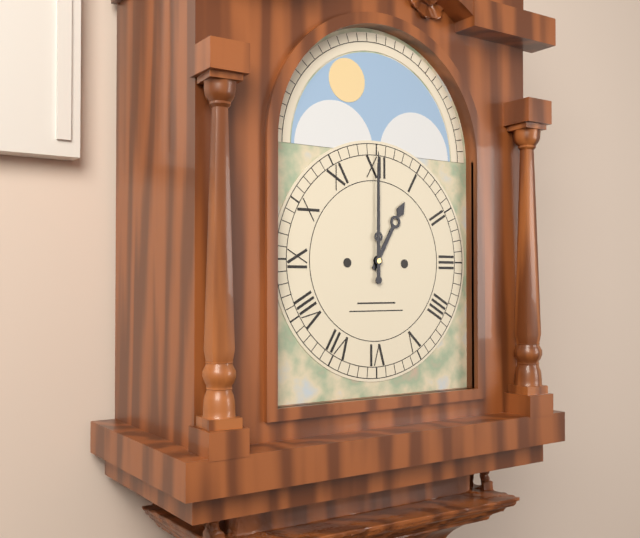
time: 1:00
